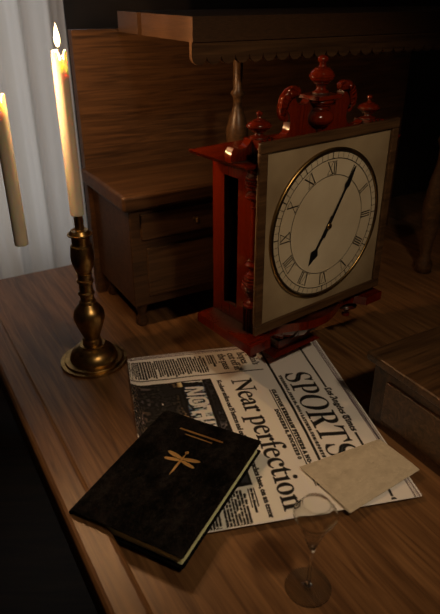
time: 7:05
